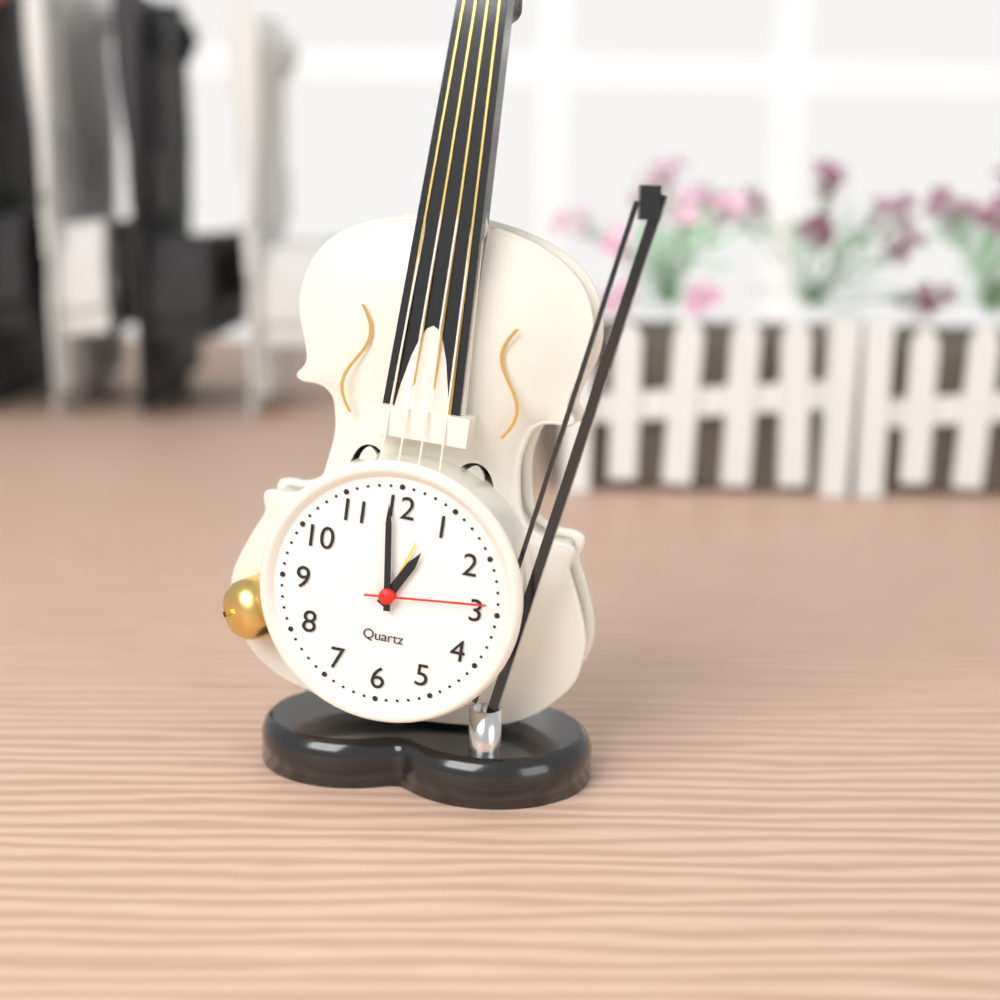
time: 12:59:14
